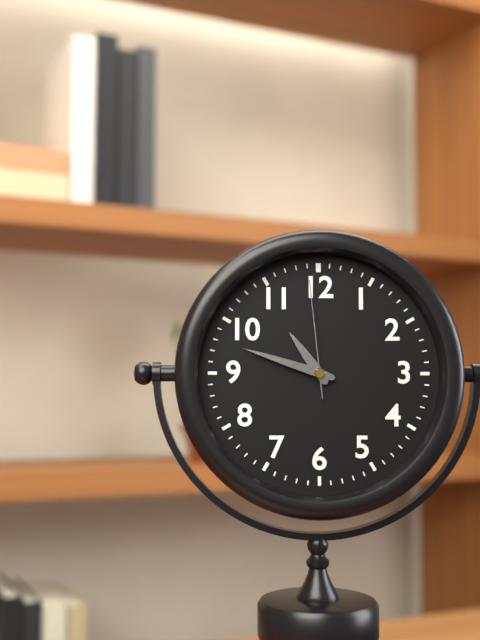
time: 10:48:59
